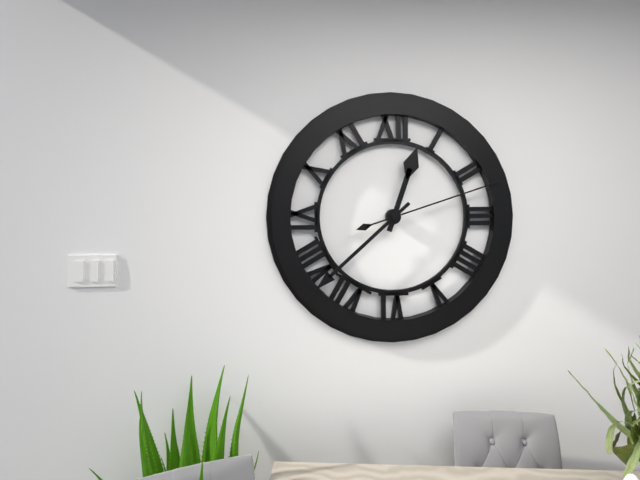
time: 12:38:12
